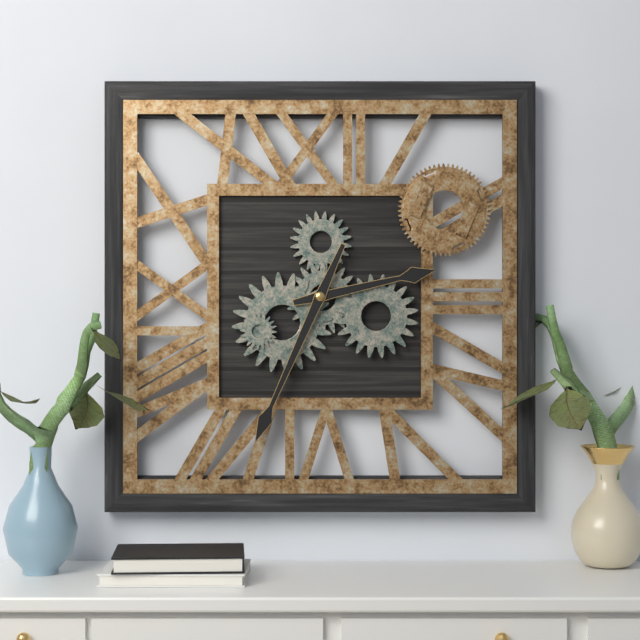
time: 2:34
